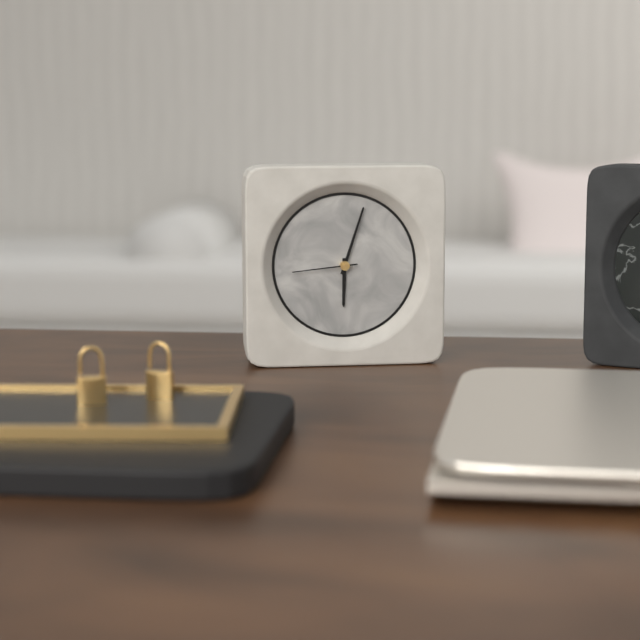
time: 6:03:44
